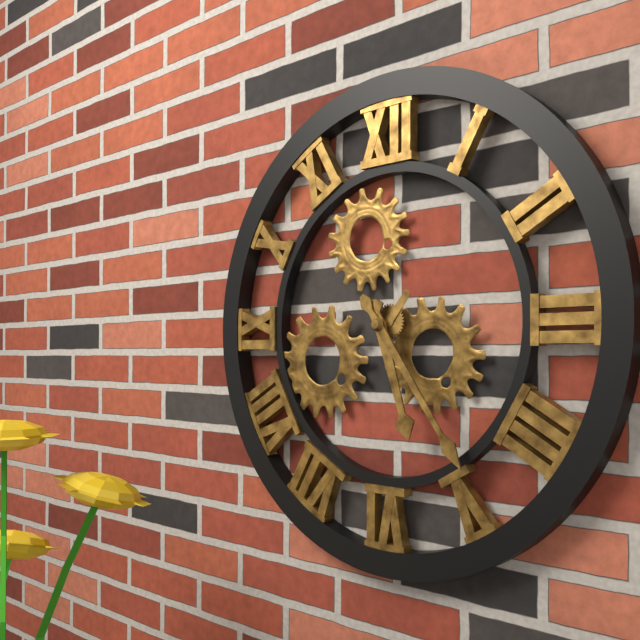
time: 5:24
